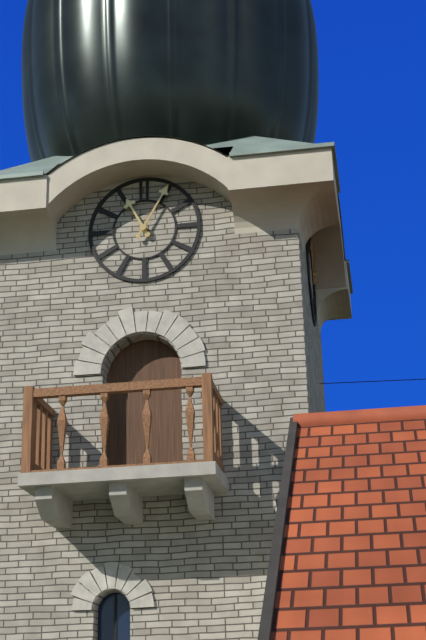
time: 11:05
